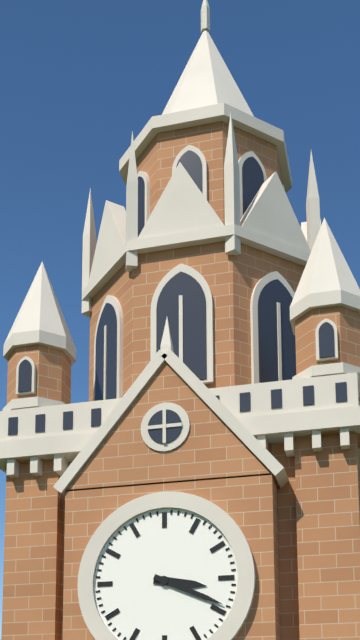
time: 3:19
